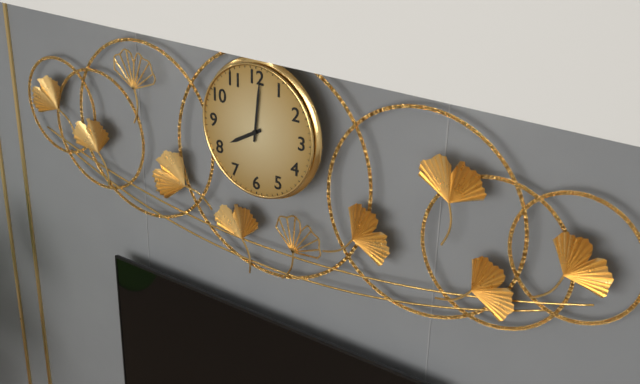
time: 8:01
